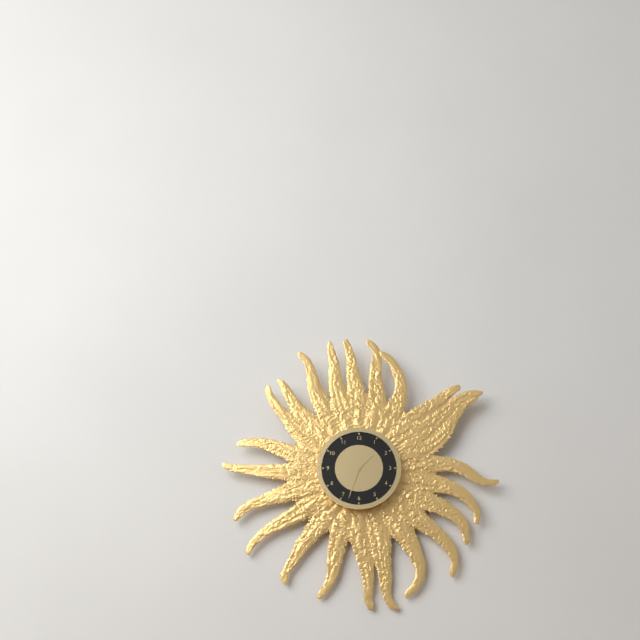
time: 1:33
